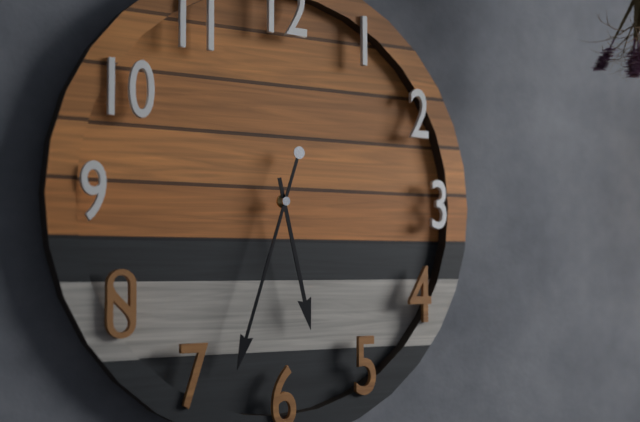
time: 5:33
